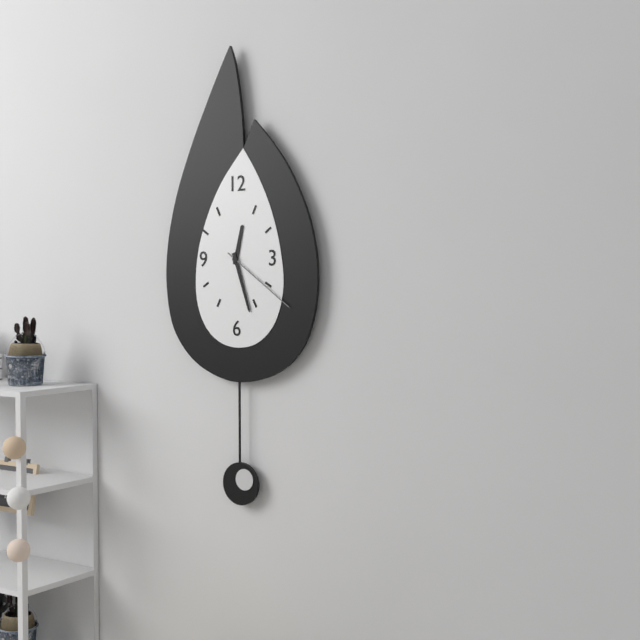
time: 12:27:21
